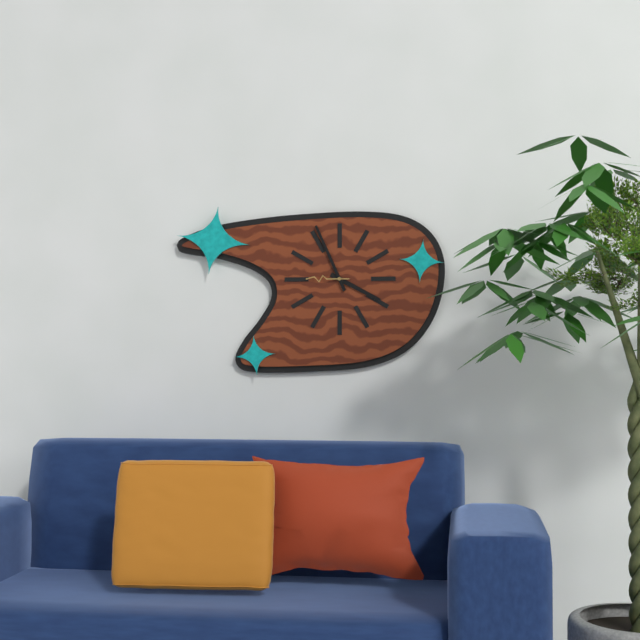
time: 3:56
